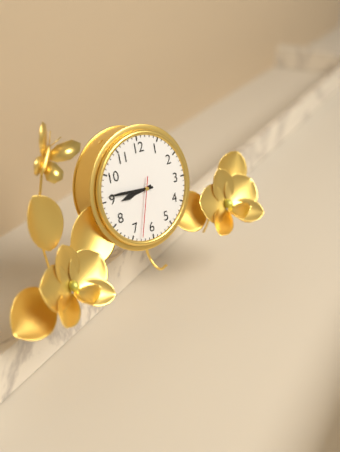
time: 8:46:33
